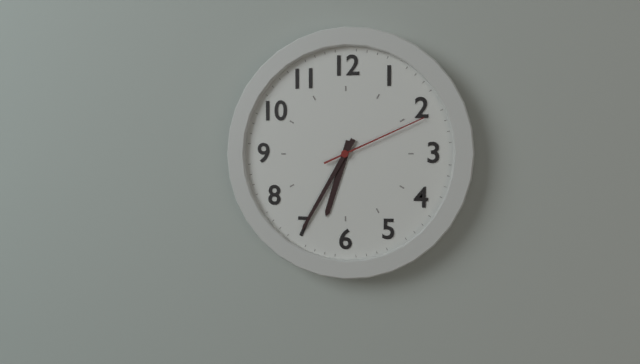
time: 6:35:11
